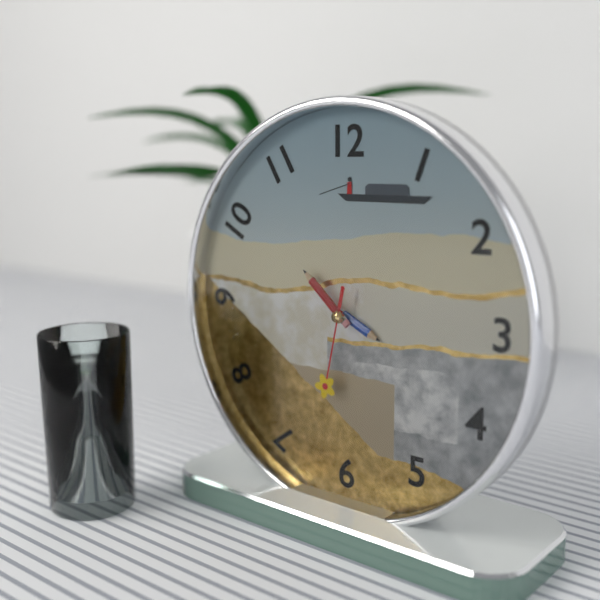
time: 3:52:32
